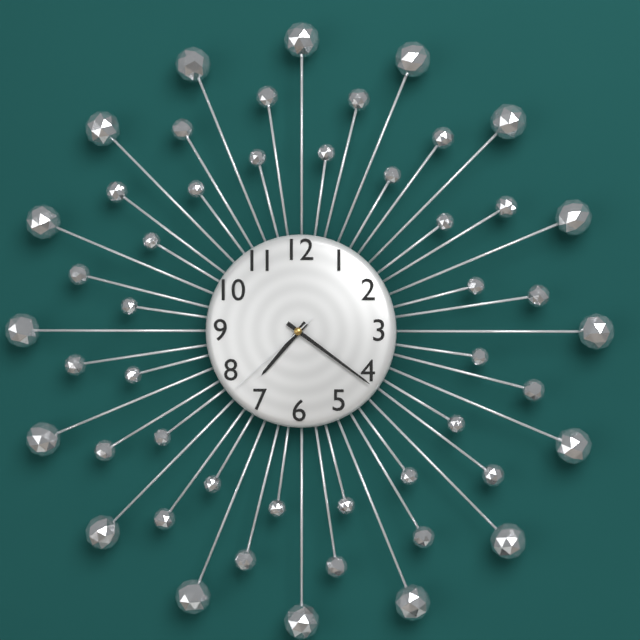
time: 7:21:38
